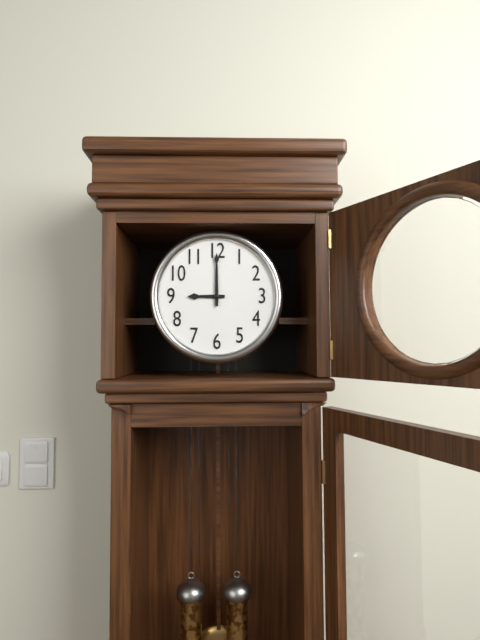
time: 9:00
